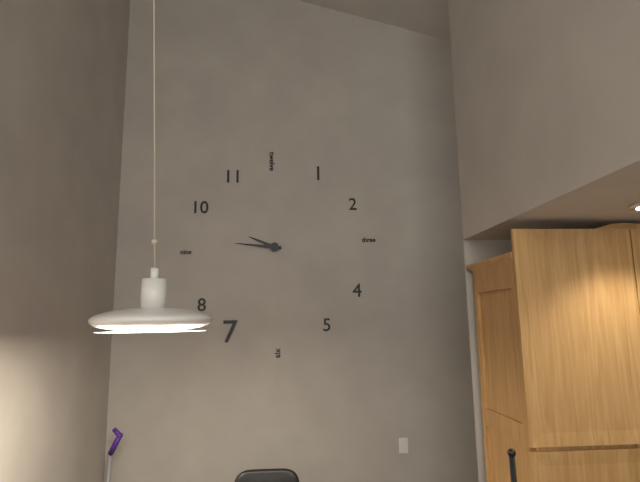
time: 9:46
